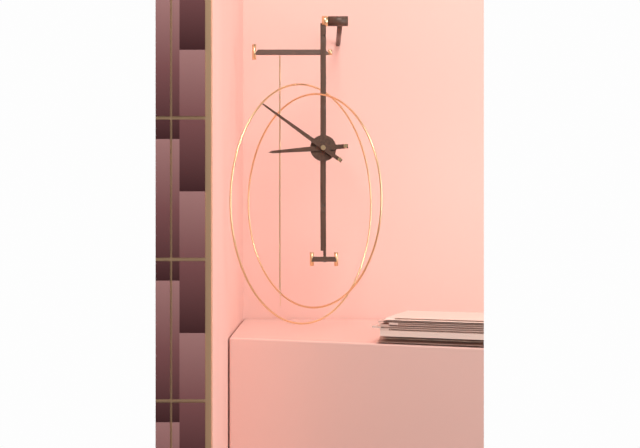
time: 8:51
